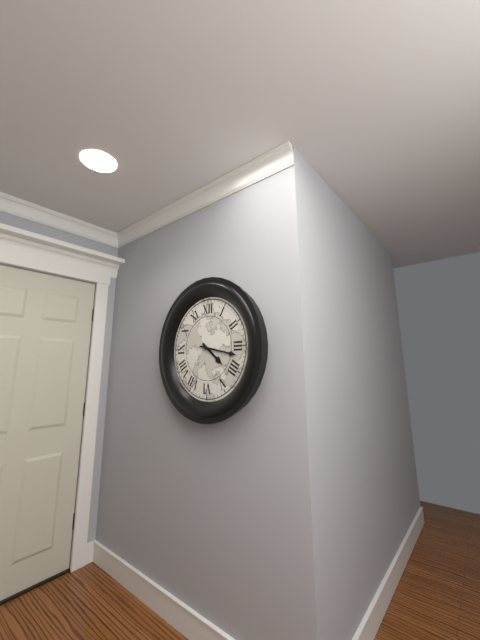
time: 4:17
